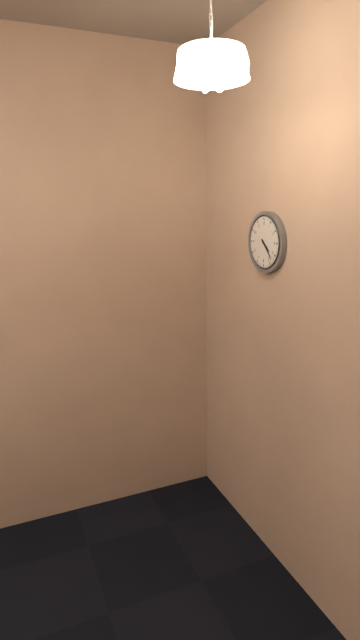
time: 4:23
